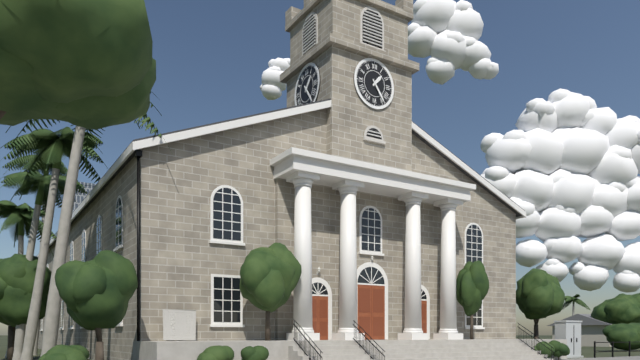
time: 1:24
